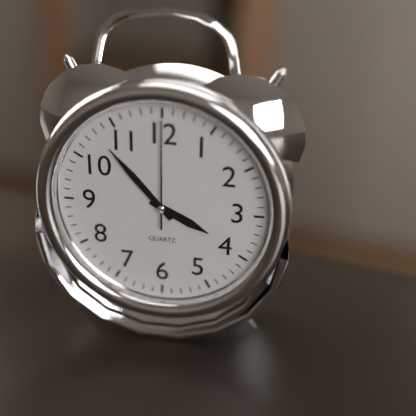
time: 3:53:00
